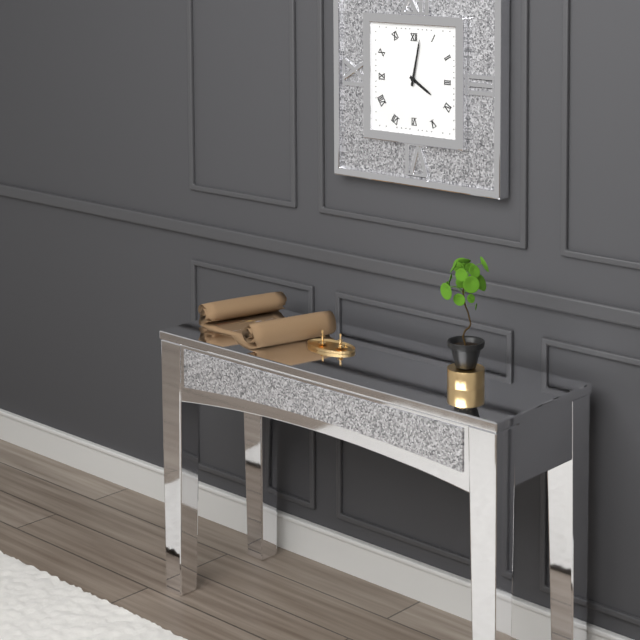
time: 4:02
